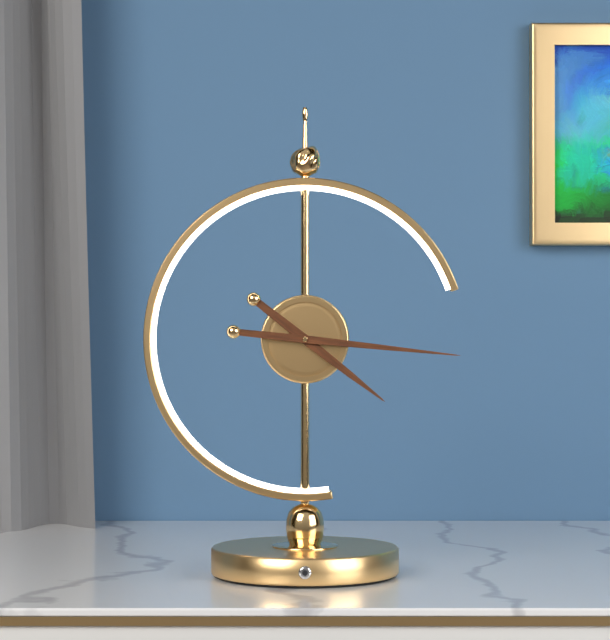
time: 4:16
